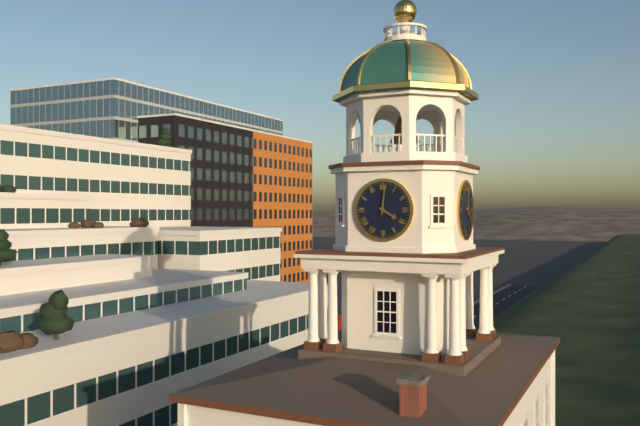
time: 4:01
